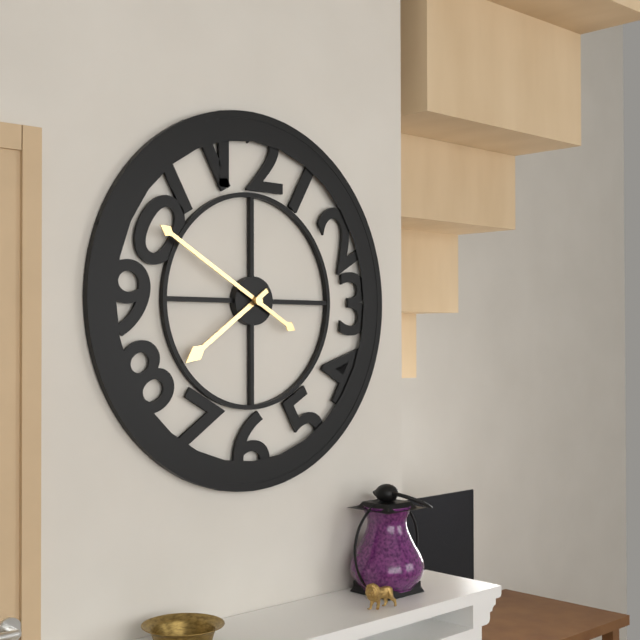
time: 7:50
